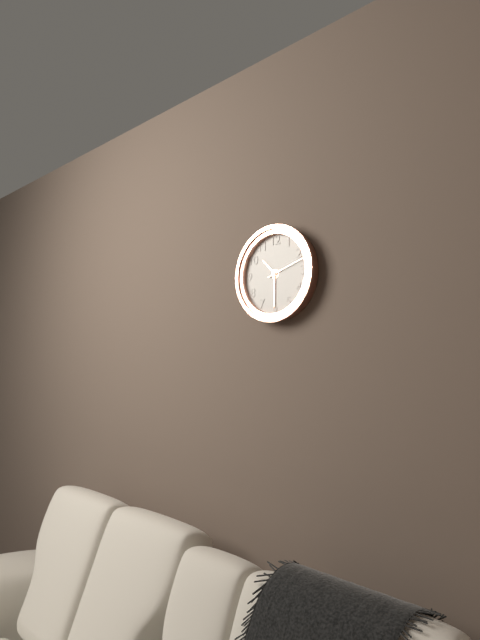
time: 10:30
